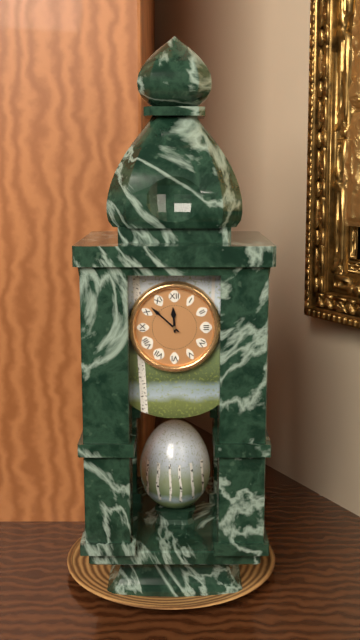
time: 11:52
